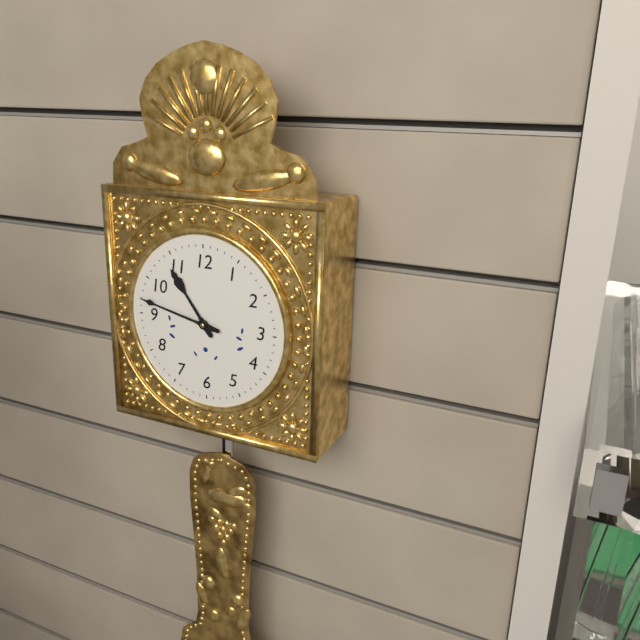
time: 10:47
